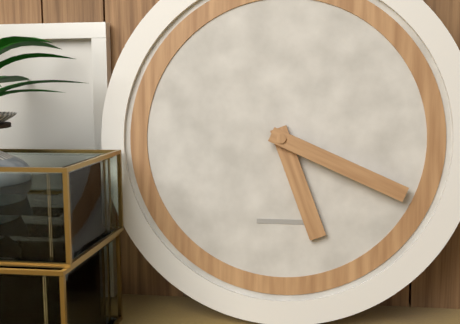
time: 5:19
